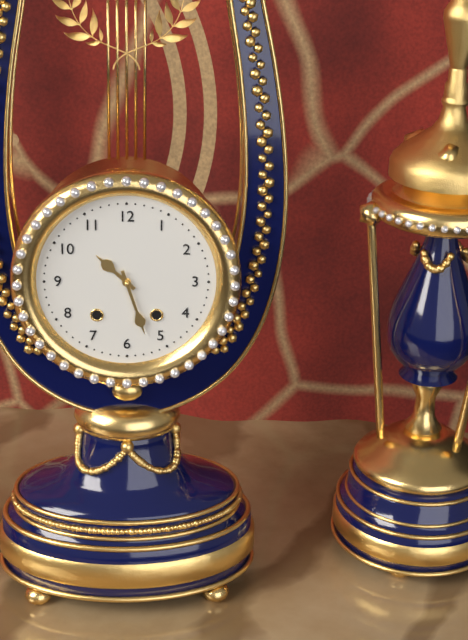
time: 10:27
